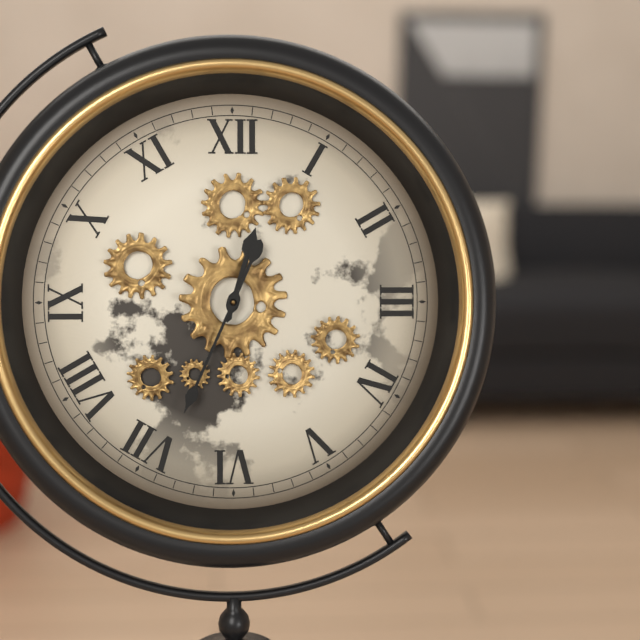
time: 12:34
